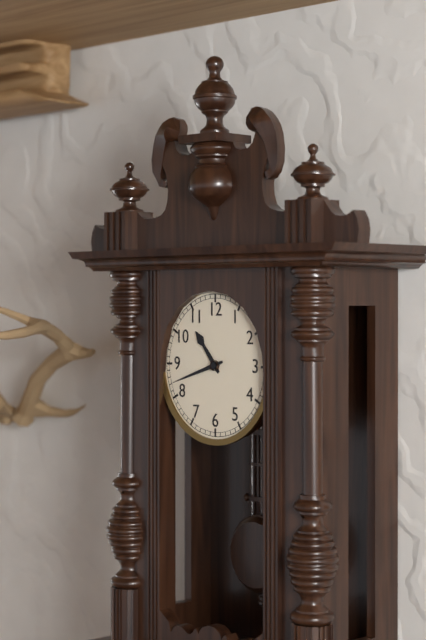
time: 10:42
